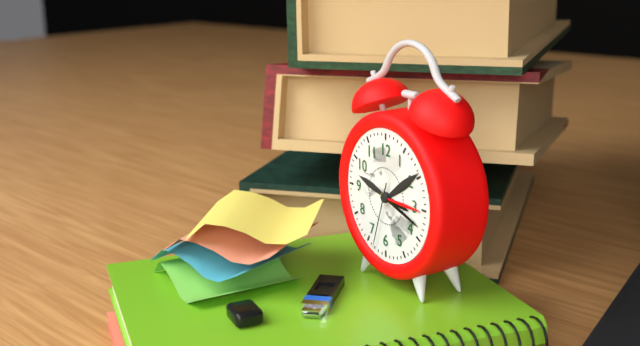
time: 3:18:33
